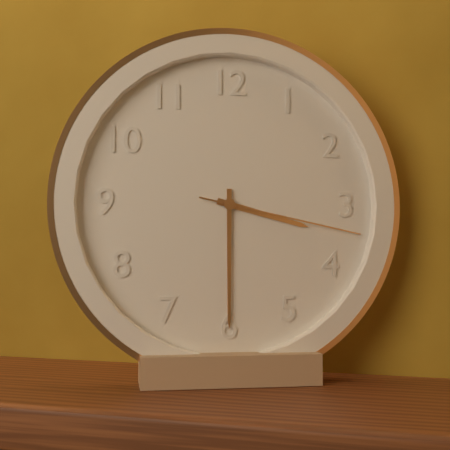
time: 3:30:17
